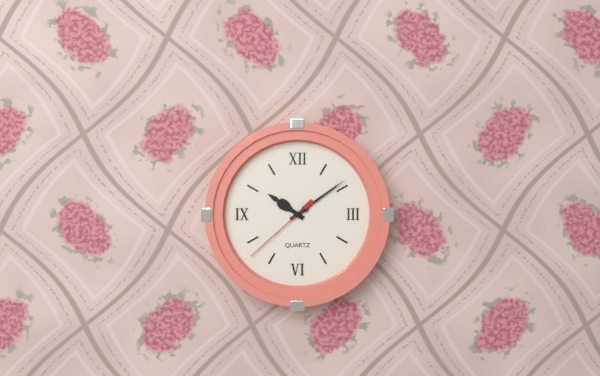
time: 10:09:38
